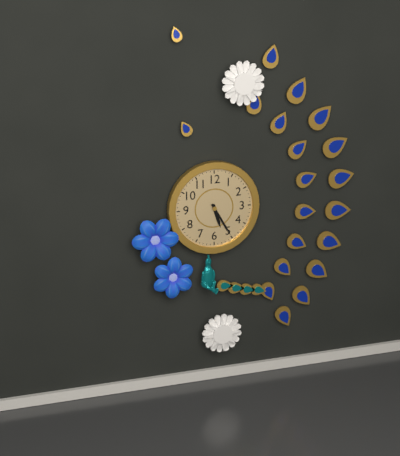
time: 5:25
